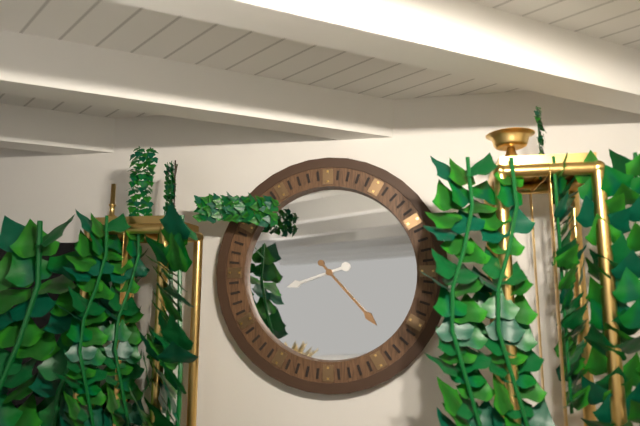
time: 8:23
